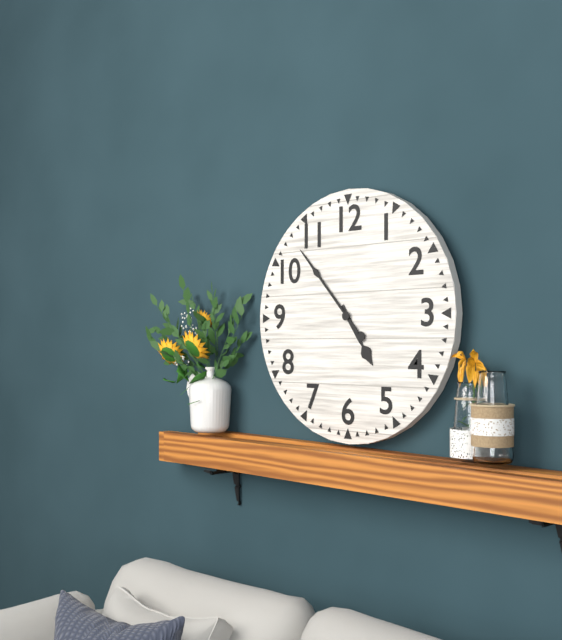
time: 4:53
